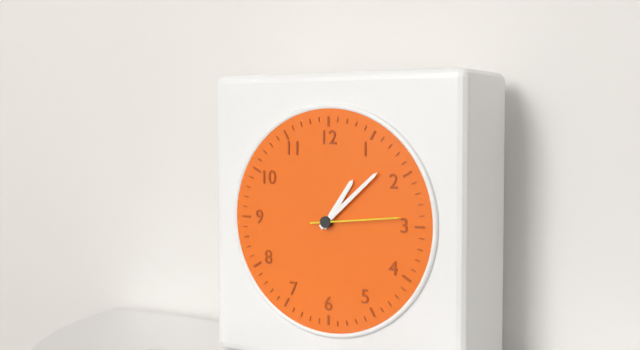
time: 1:08:14
